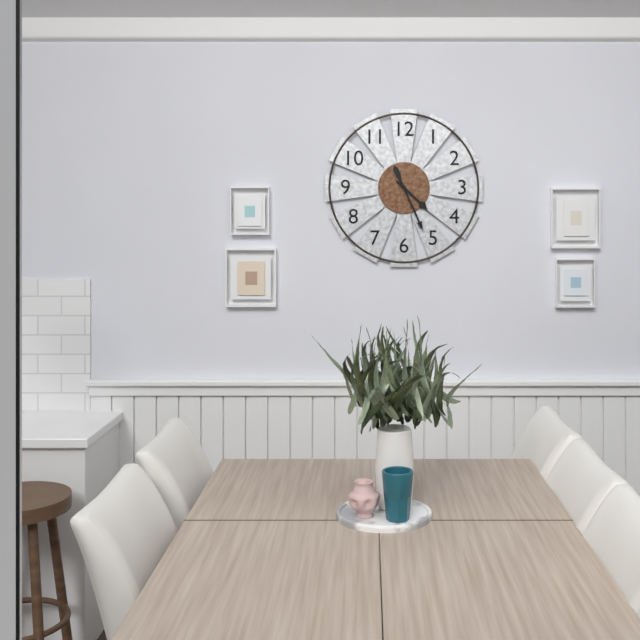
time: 4:26
